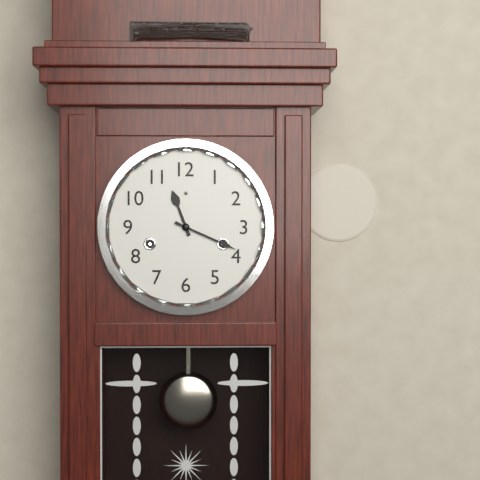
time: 11:19
